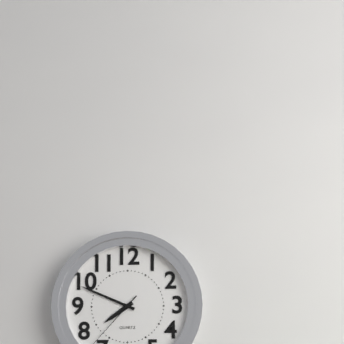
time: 7:49
